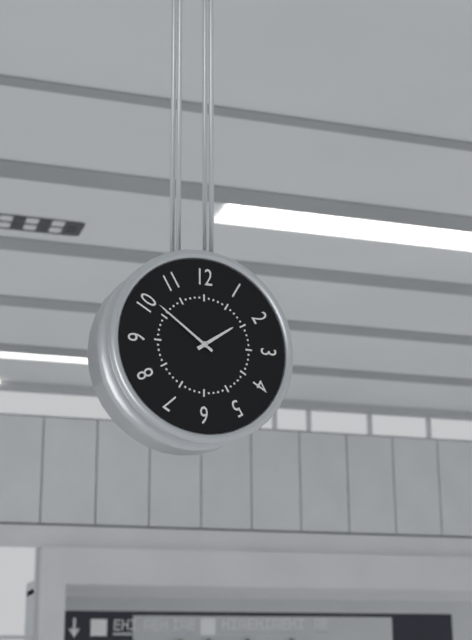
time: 1:51
